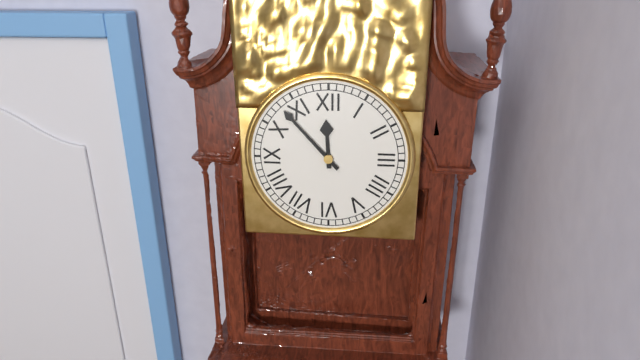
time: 11:53
